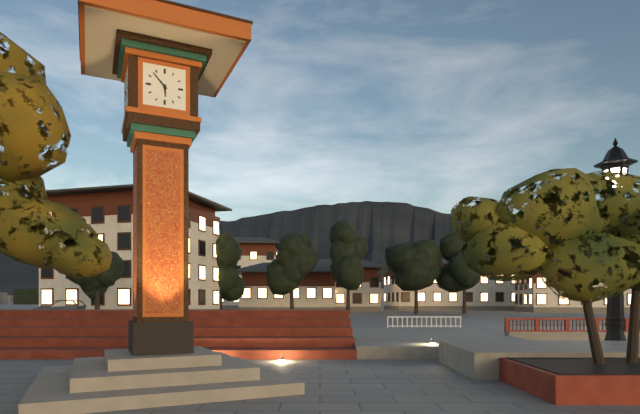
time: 5:53
